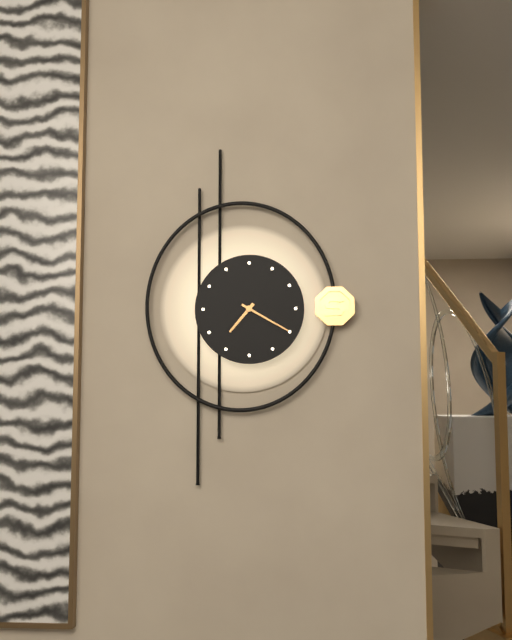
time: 7:20
